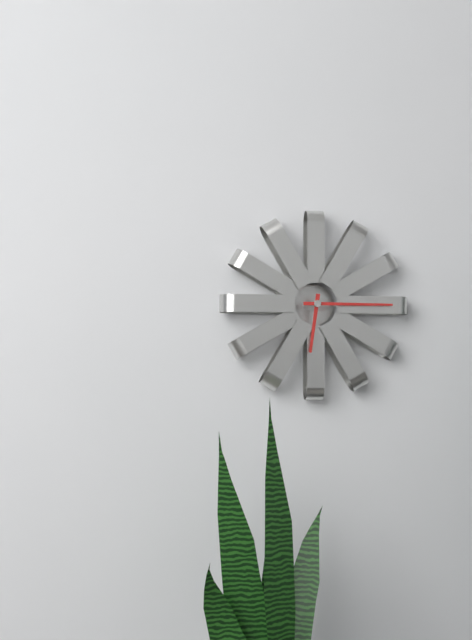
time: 6:15
